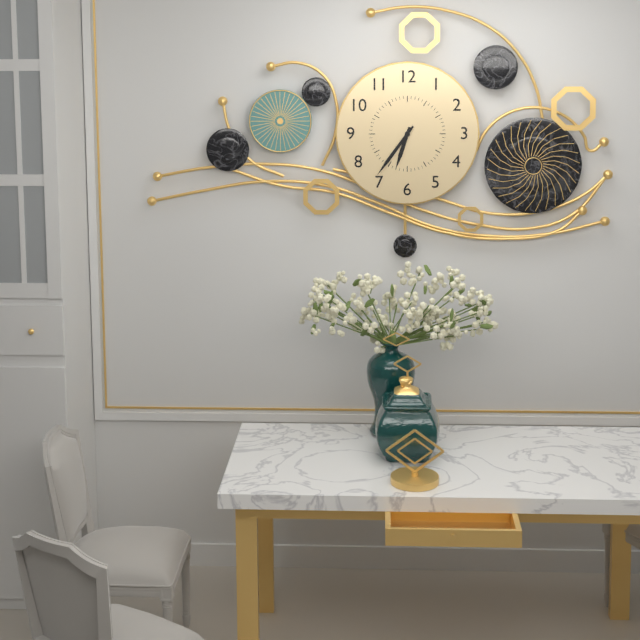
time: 6:36
